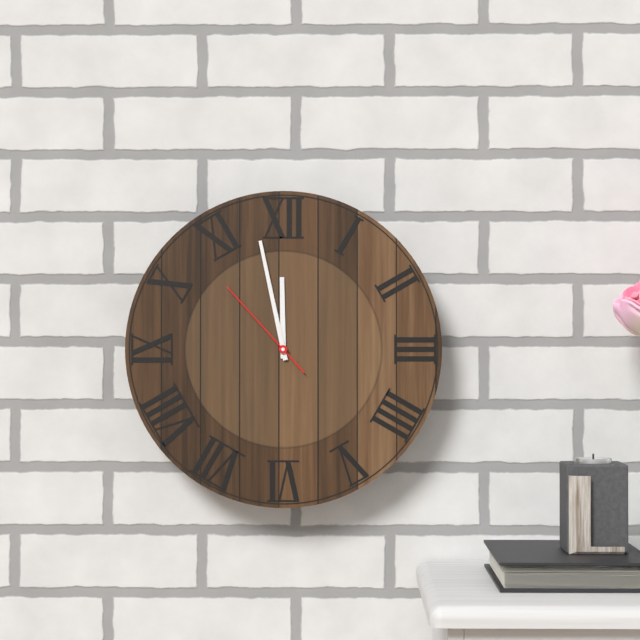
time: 11:58:53
